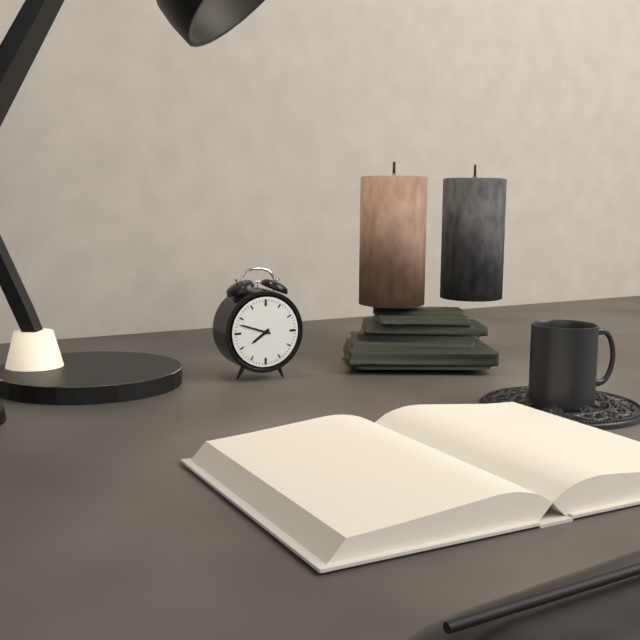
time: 7:48
